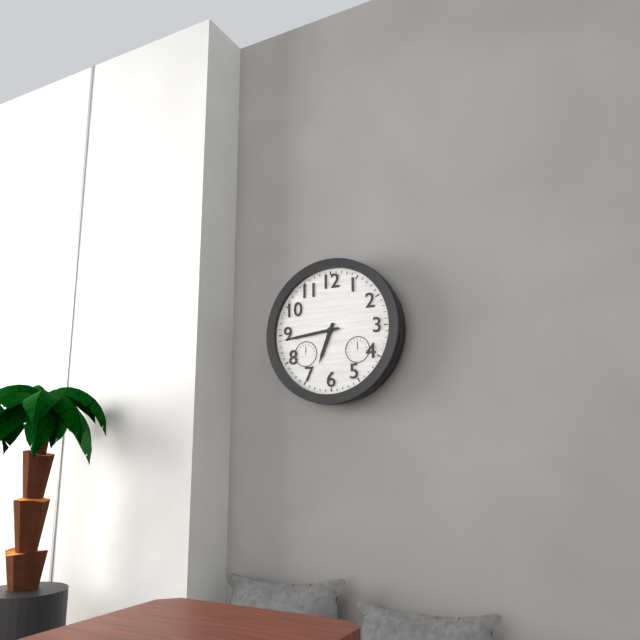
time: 6:44
